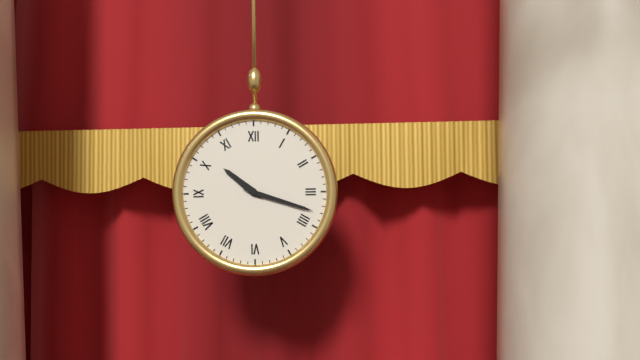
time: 10:18
